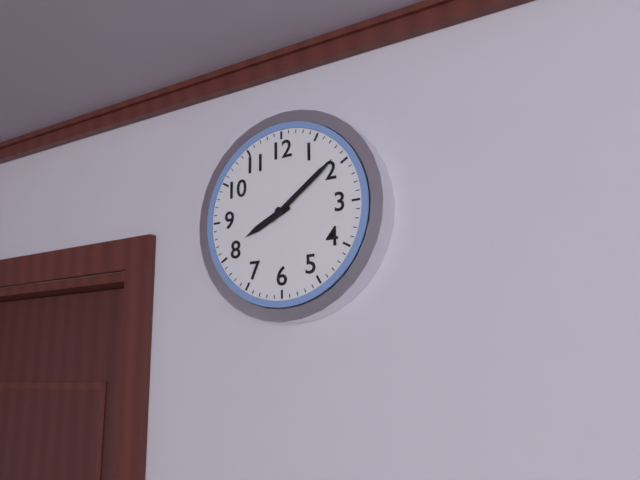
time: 8:09
